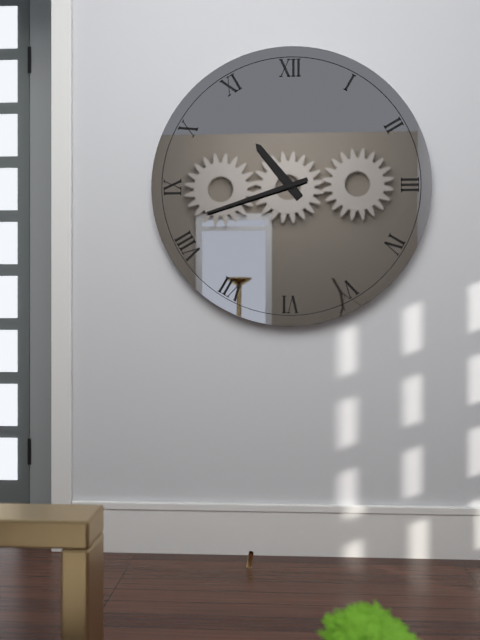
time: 10:42
